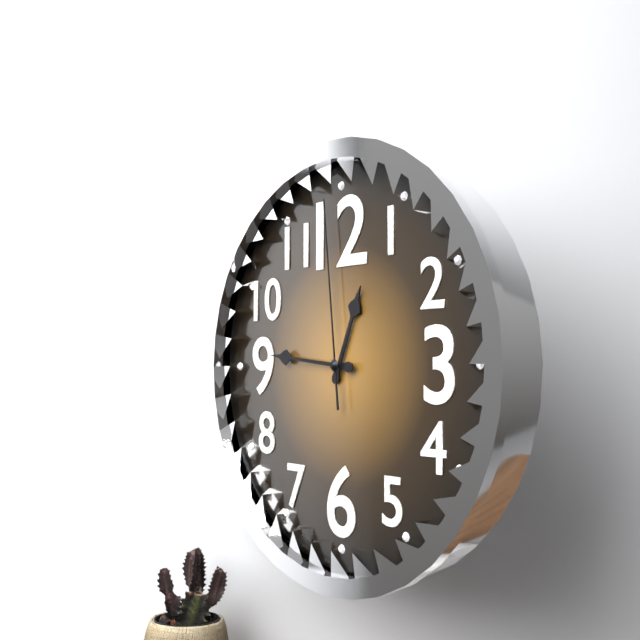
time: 12:46:59
